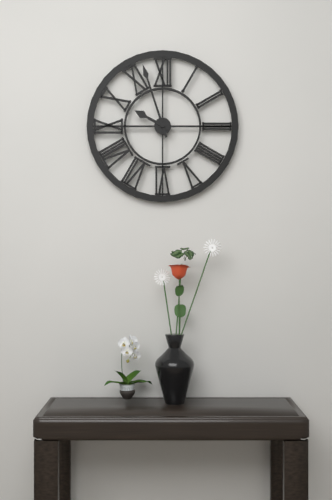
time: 9:57
